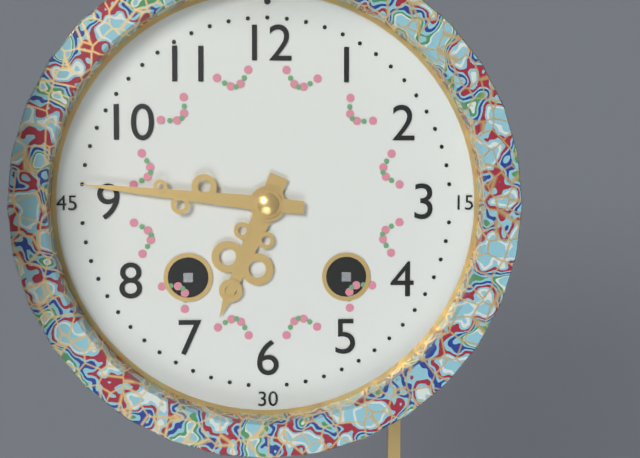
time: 6:46
